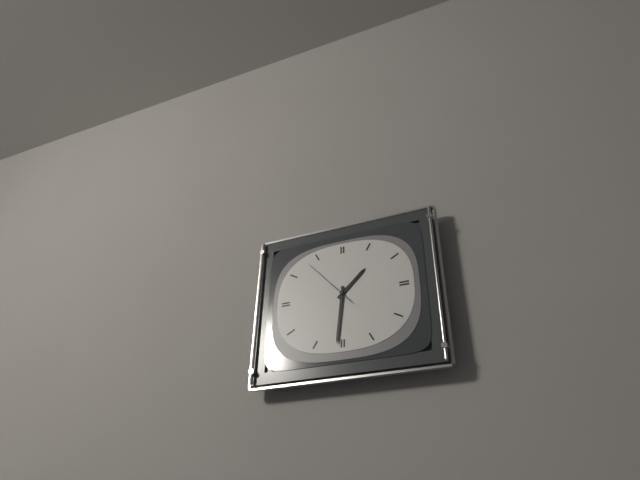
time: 1:31:53
